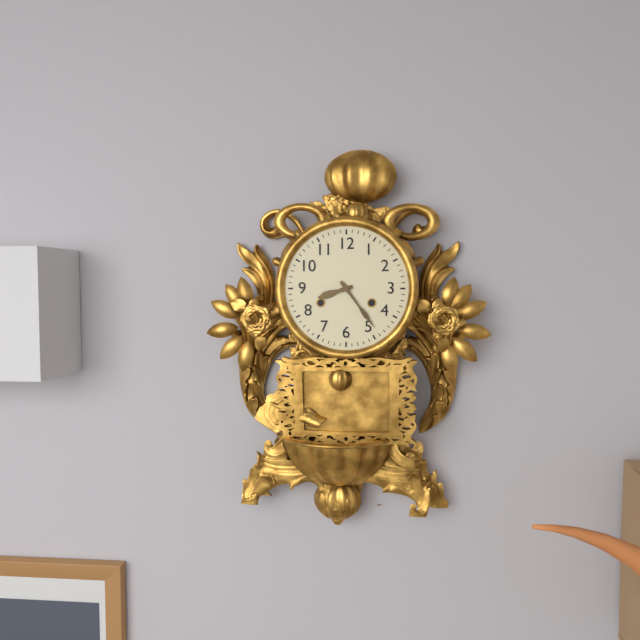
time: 8:24
